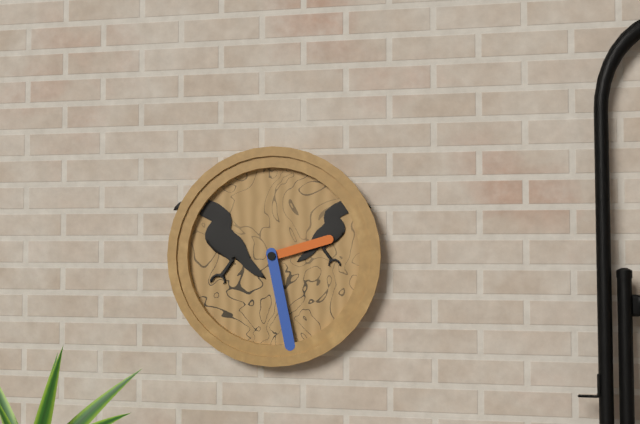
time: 2:28
